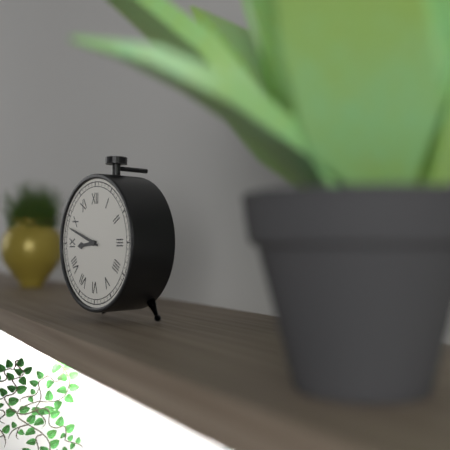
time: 8:48
